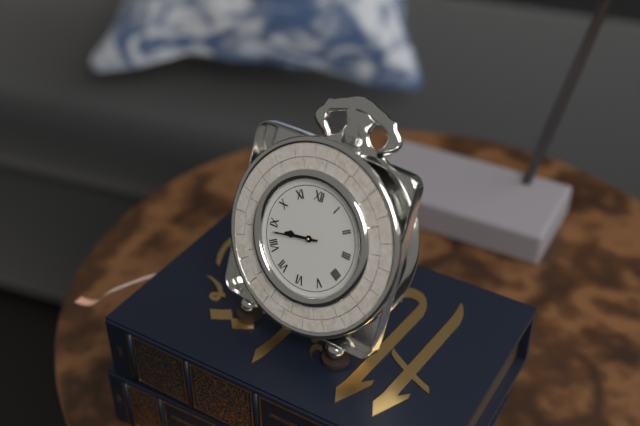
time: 8:43
